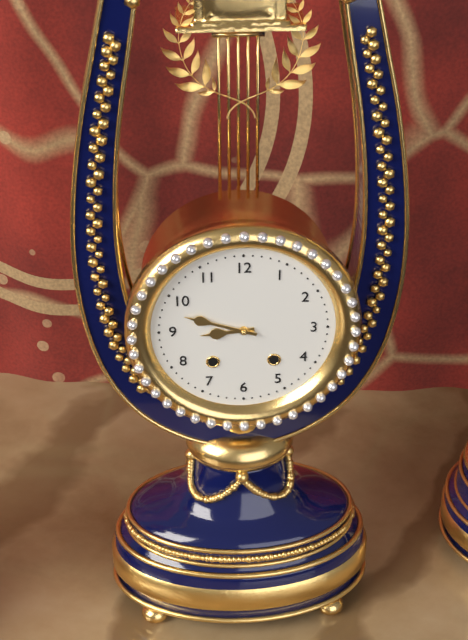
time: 8:48
